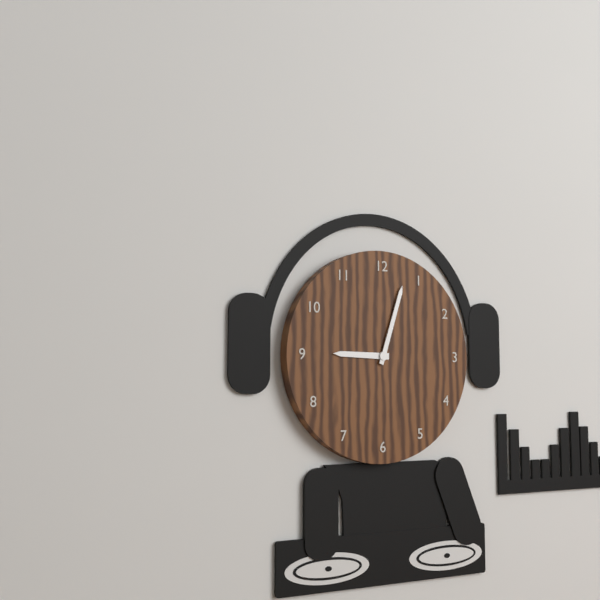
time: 9:03
